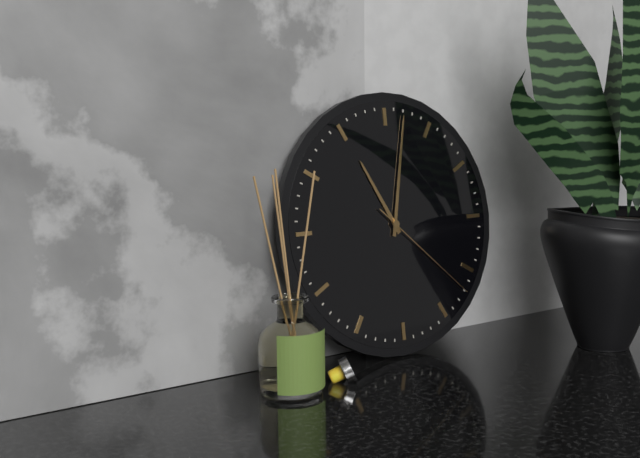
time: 11:02:22
